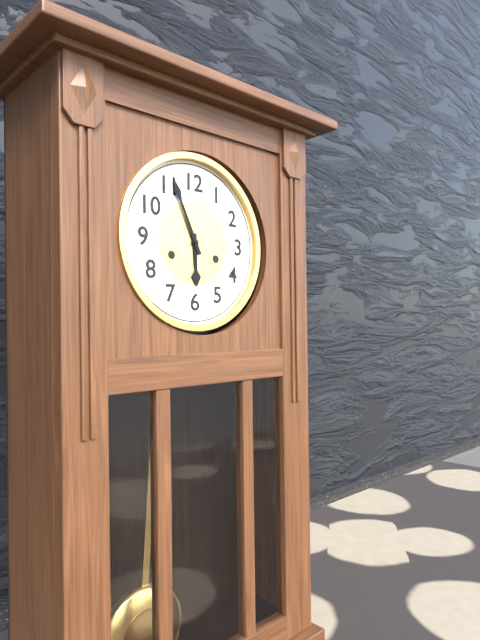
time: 5:56
